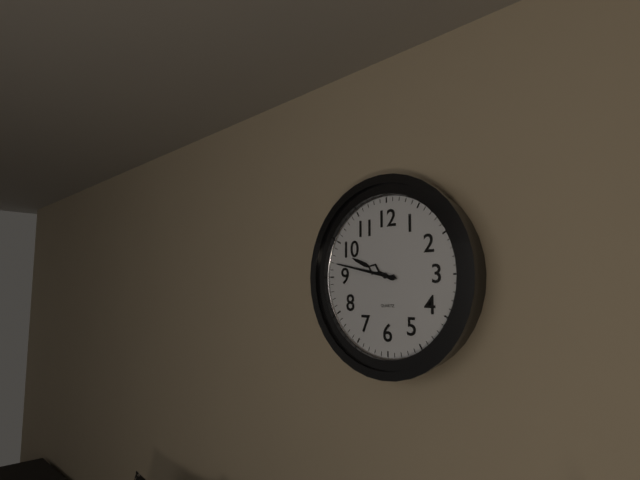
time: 9:47
